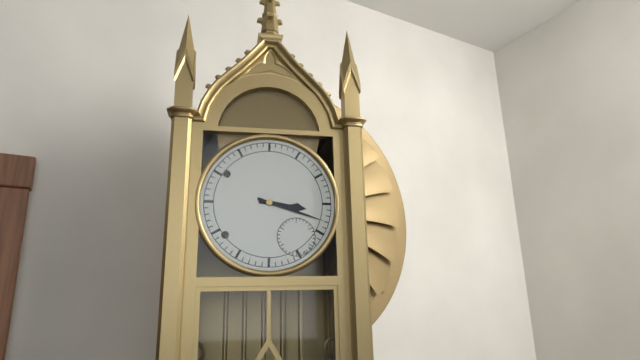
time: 3:18
